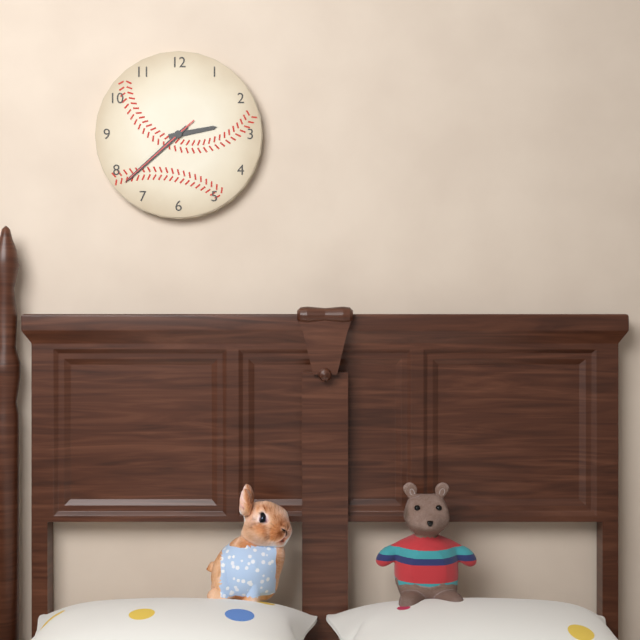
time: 2:38:38
